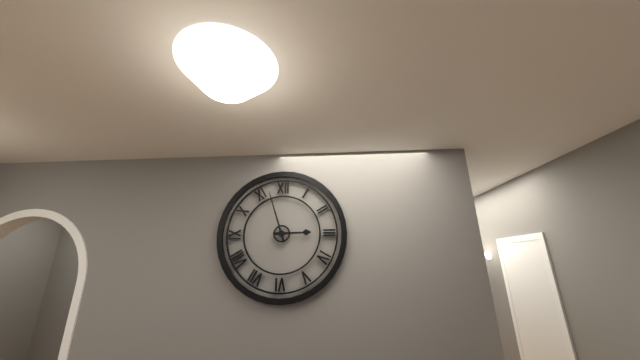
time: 2:57
